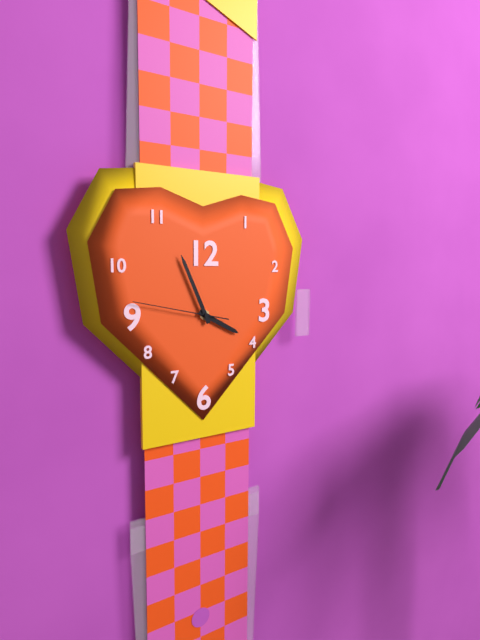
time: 3:56:47
